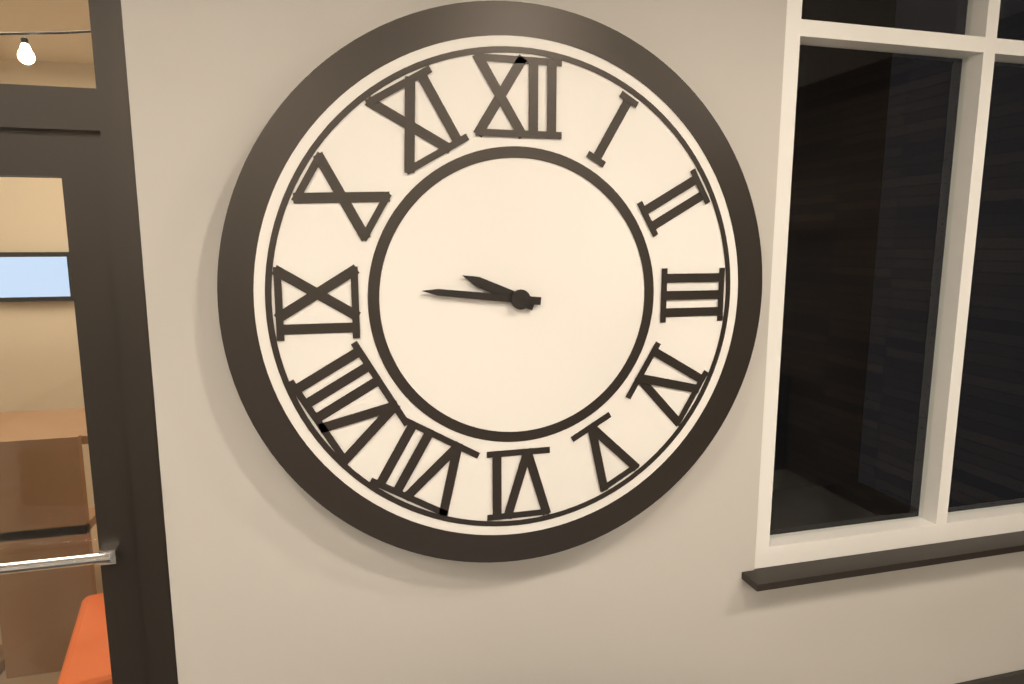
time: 9:46
